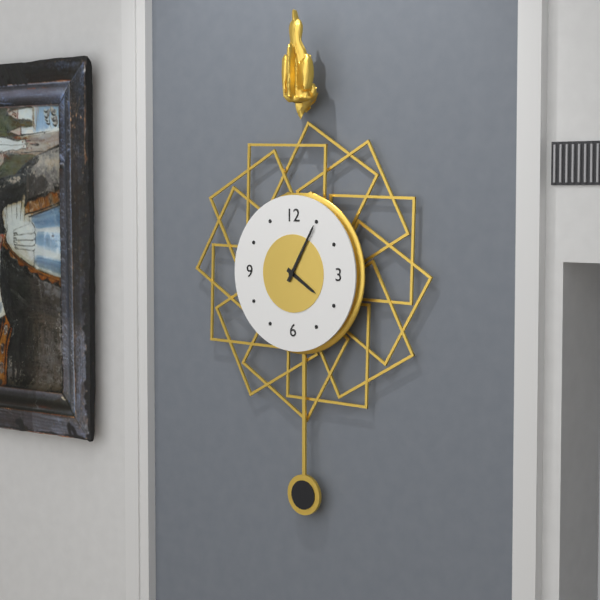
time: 4:05
